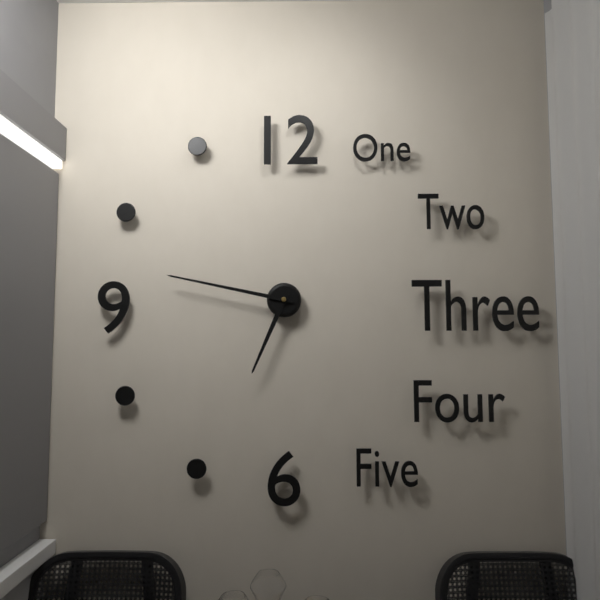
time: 6:47
